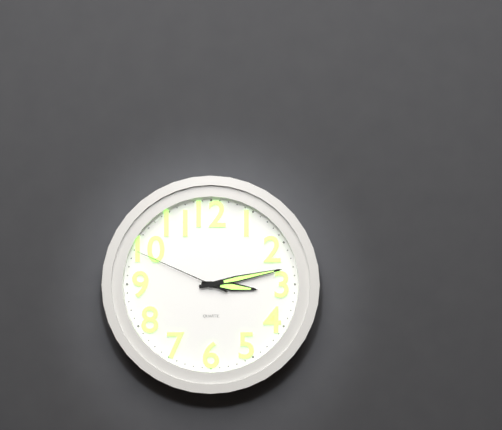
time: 3:13:49
